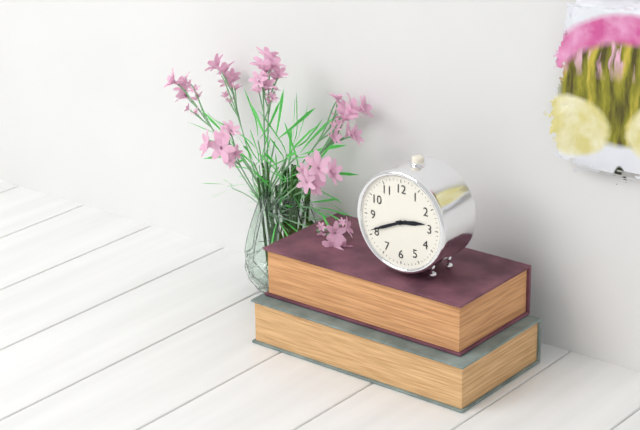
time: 2:41
